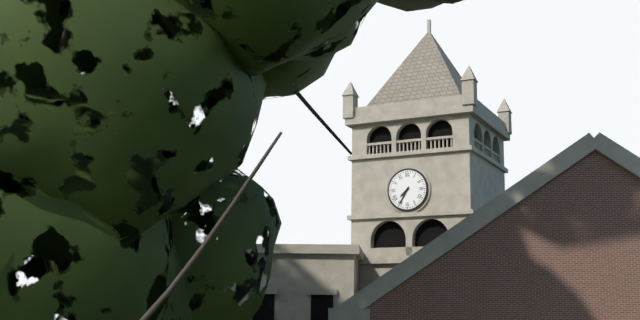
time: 7:35
